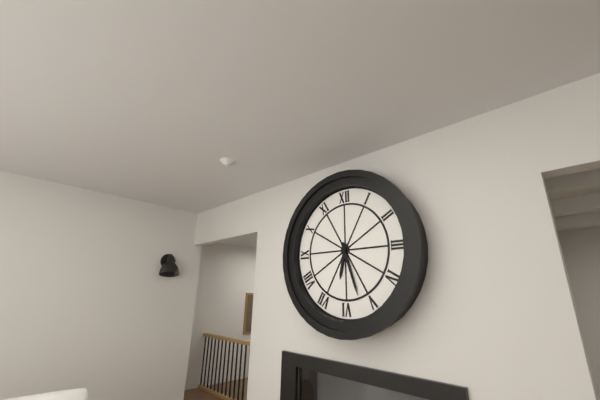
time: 6:27
